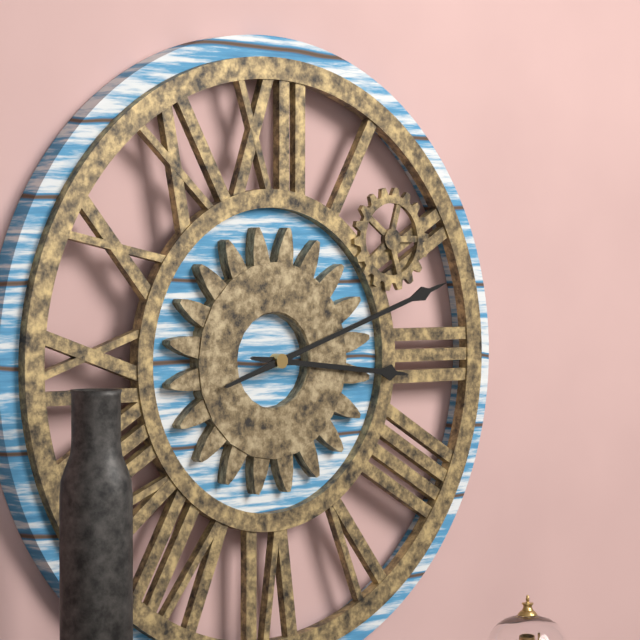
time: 3:12
